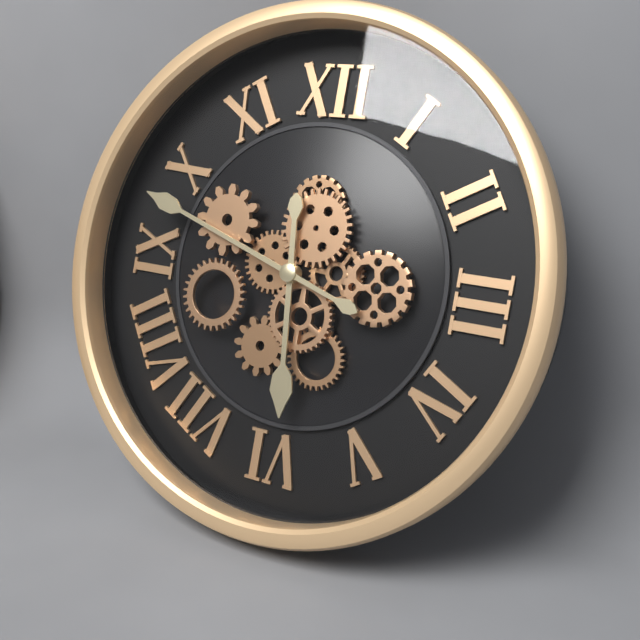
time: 5:48
